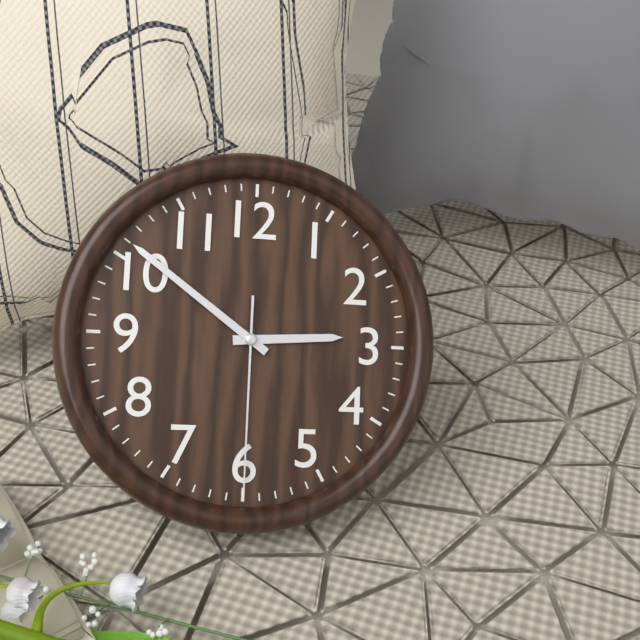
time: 2:51:30
